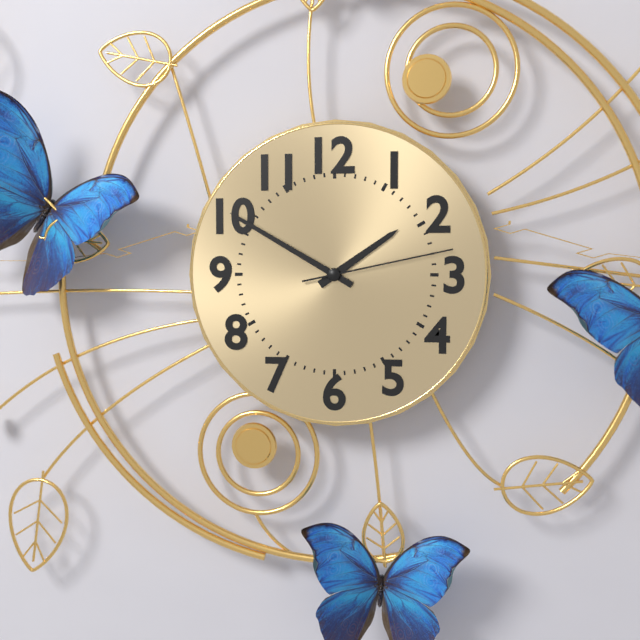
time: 1:50:13
